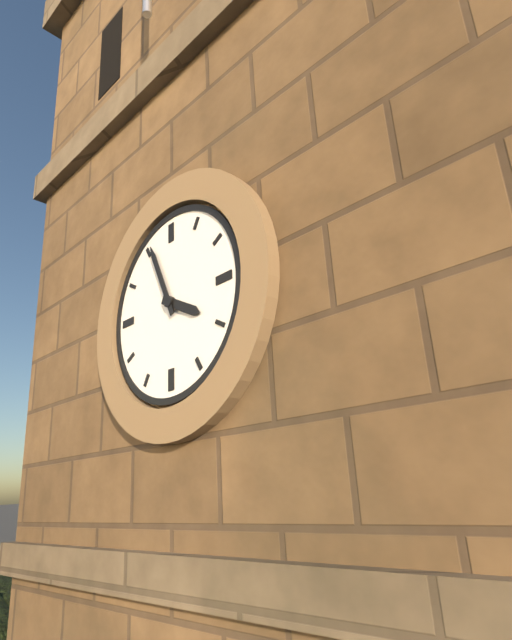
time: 3:56
